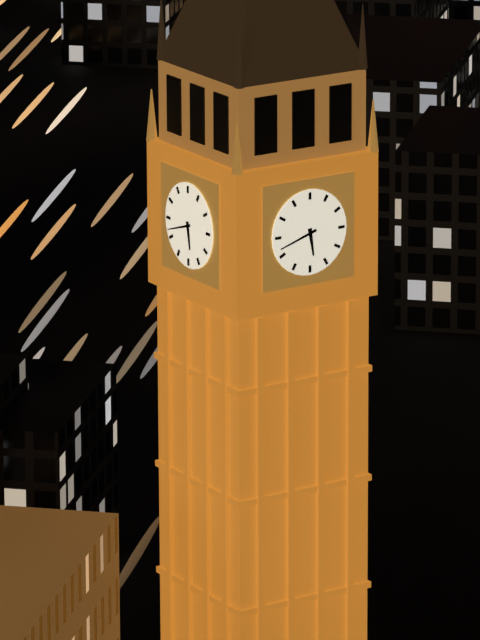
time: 5:42
